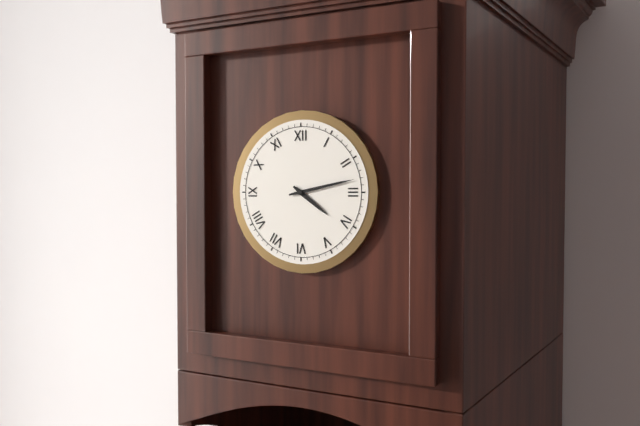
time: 4:13
